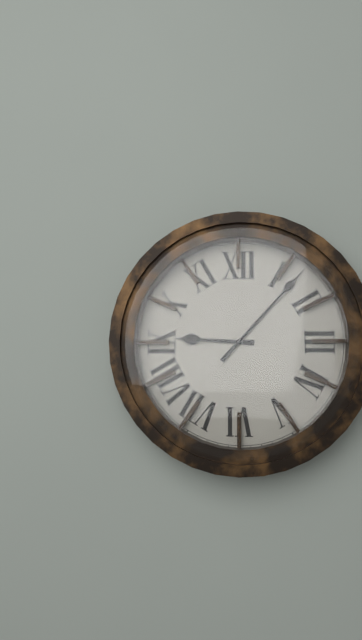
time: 9:07
